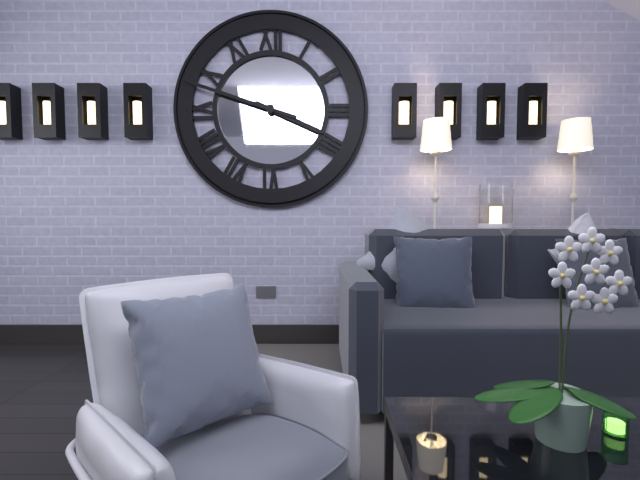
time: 3:48
